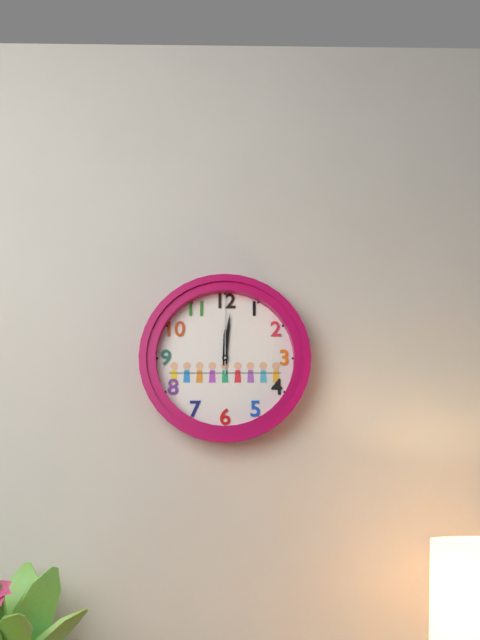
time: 12:01:00
